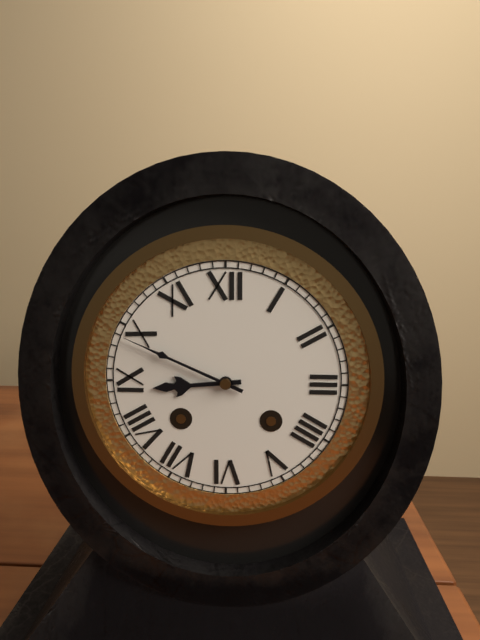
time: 8:49
